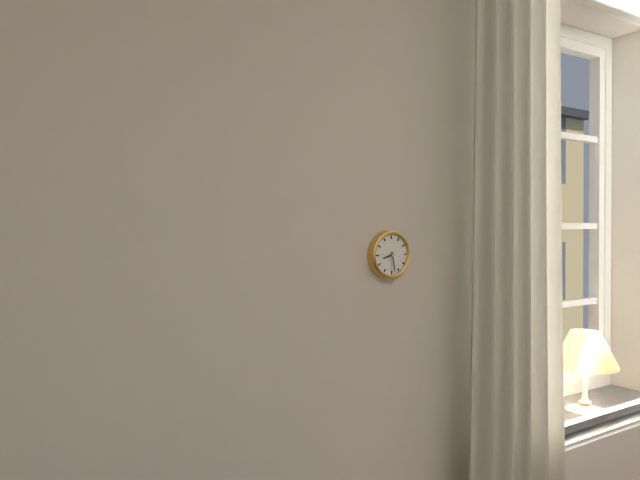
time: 8:28
